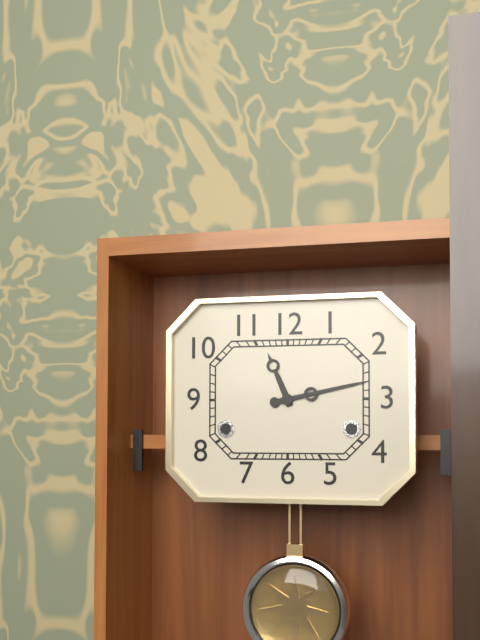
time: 11:13
